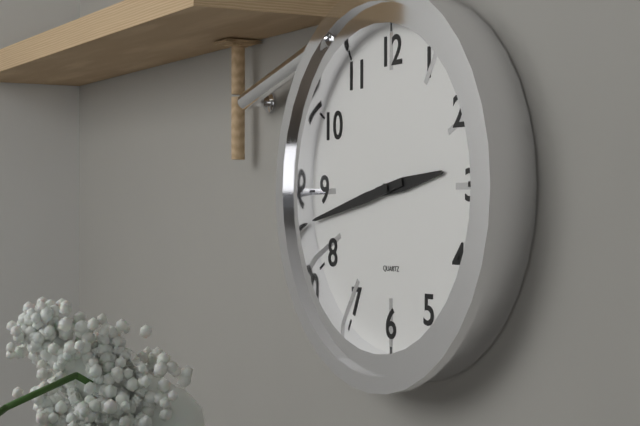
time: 2:43
